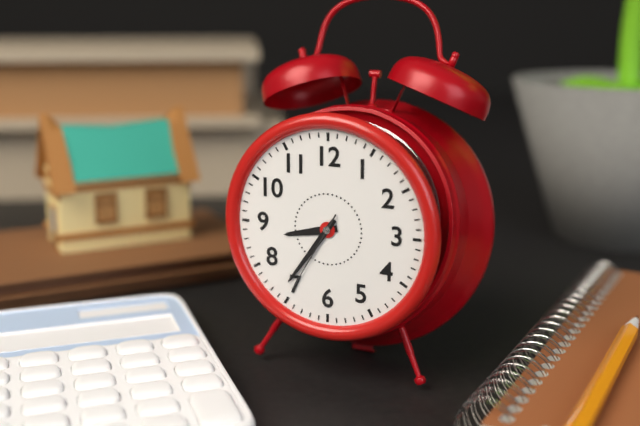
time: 8:36:35
